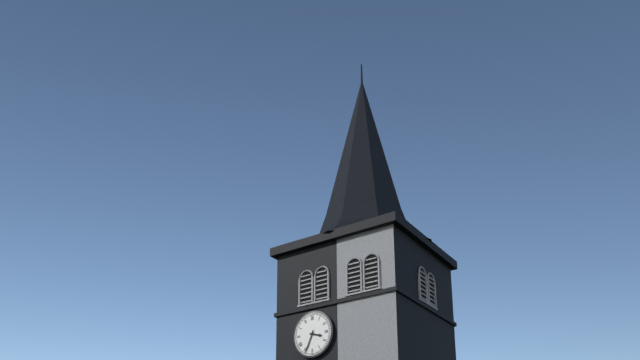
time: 3:34
